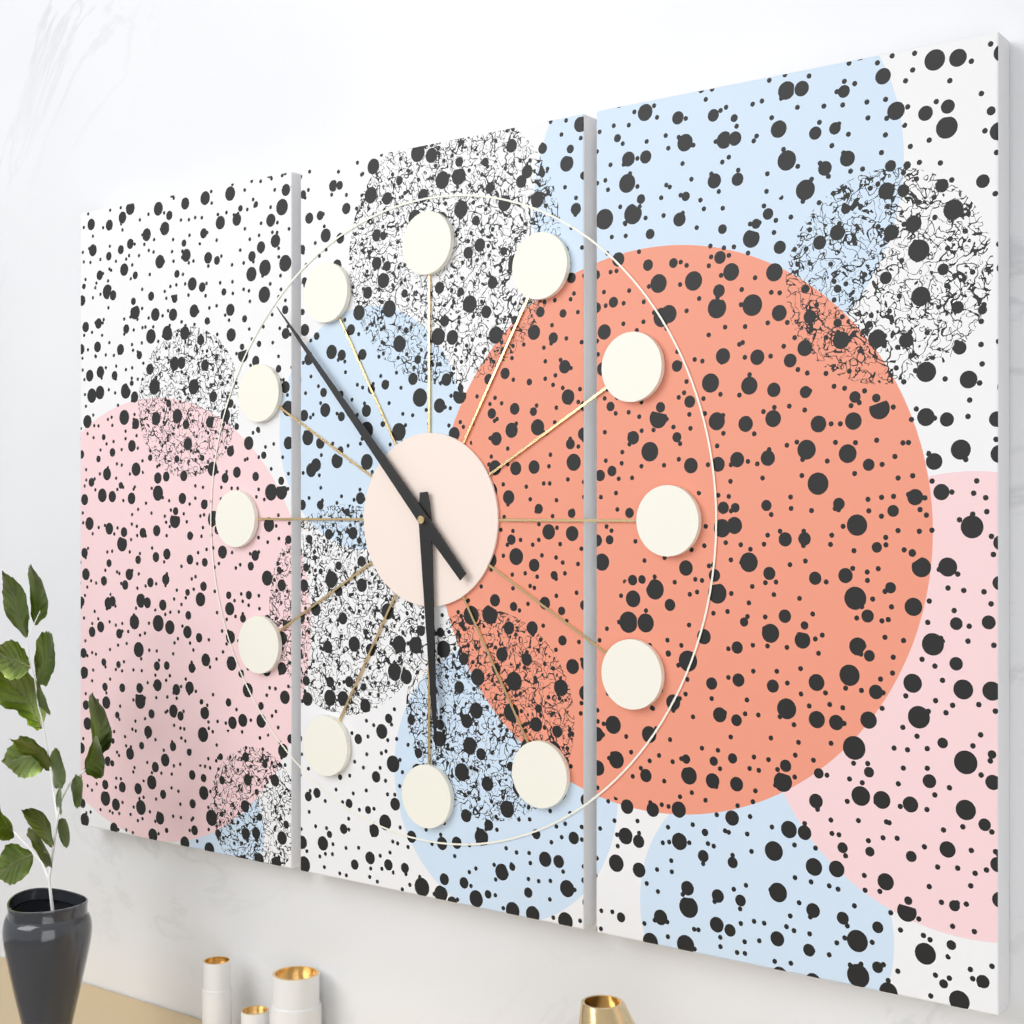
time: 5:53
